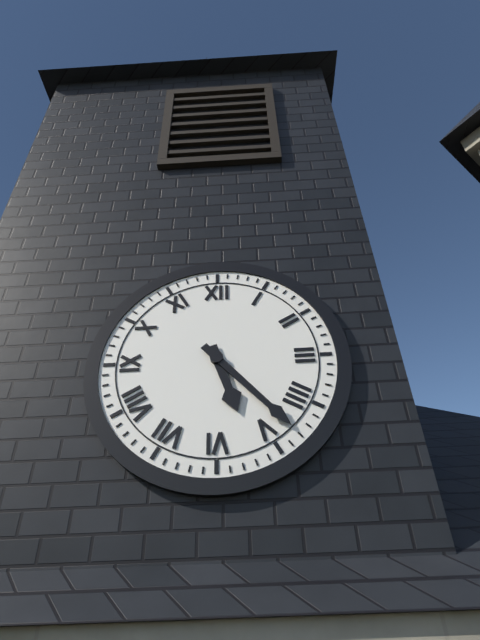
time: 5:23
